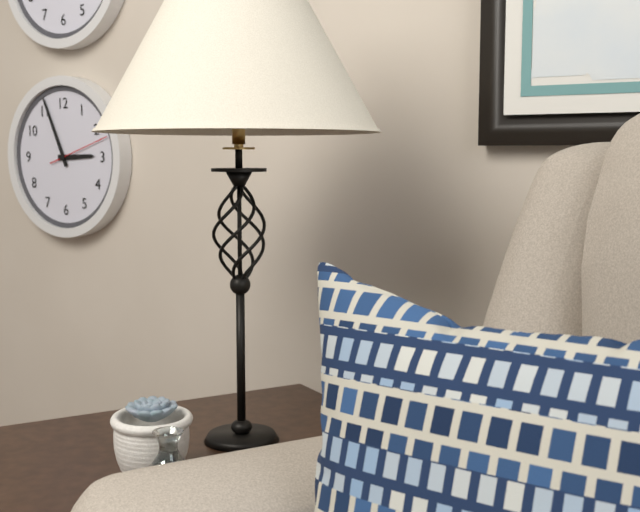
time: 2:56:12
